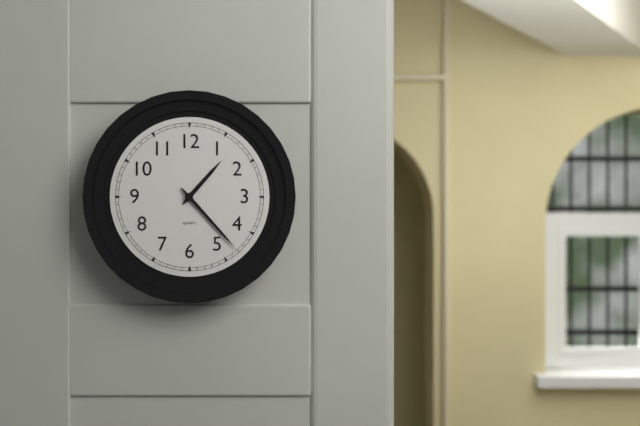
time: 1:23
